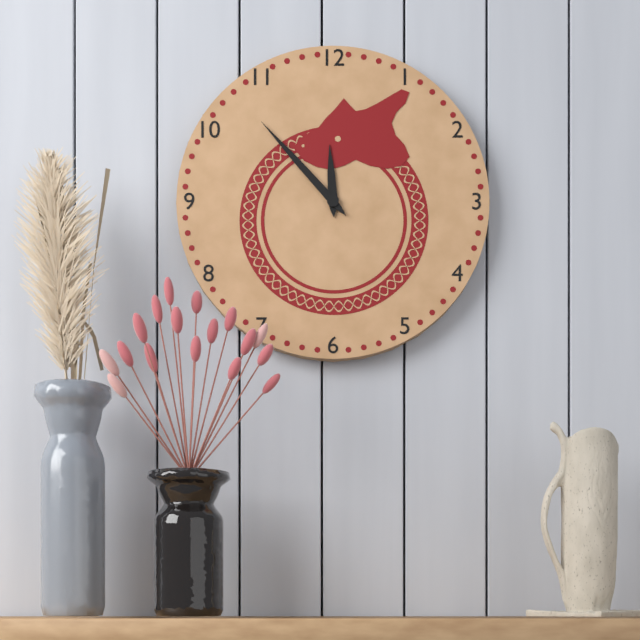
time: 11:53
